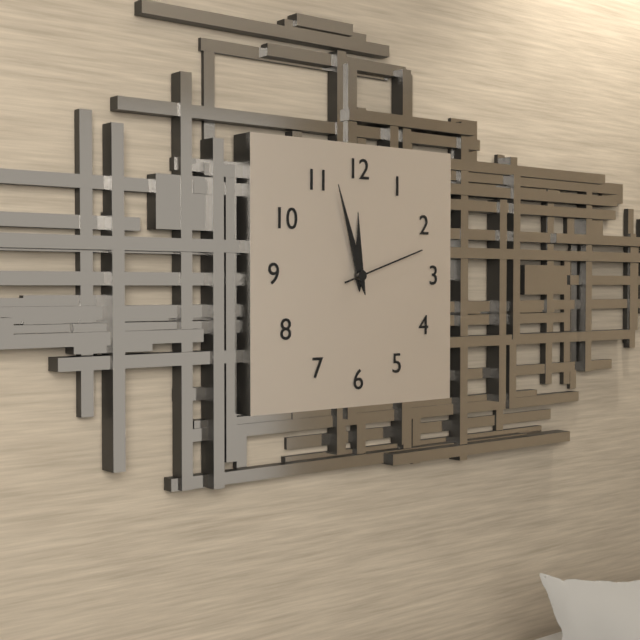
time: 11:57:12
